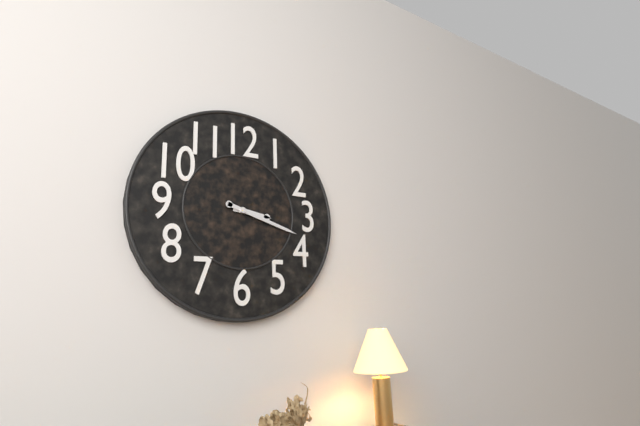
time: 3:18
